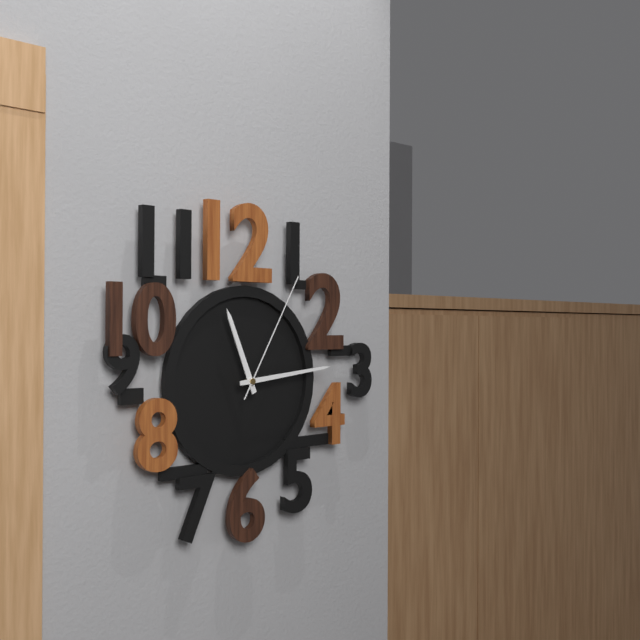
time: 11:14:05
